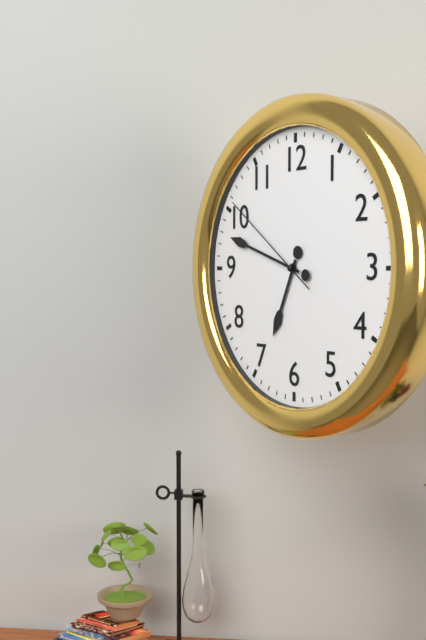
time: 6:48:51
